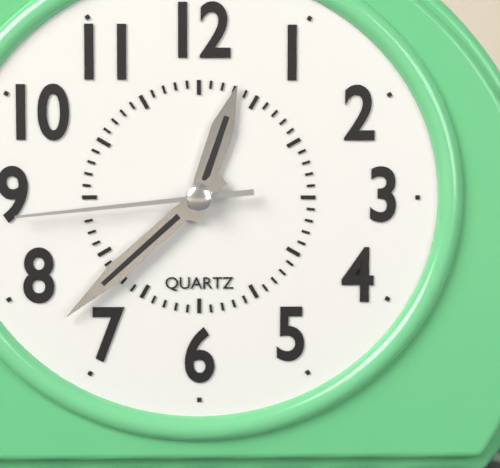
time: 12:38:44
